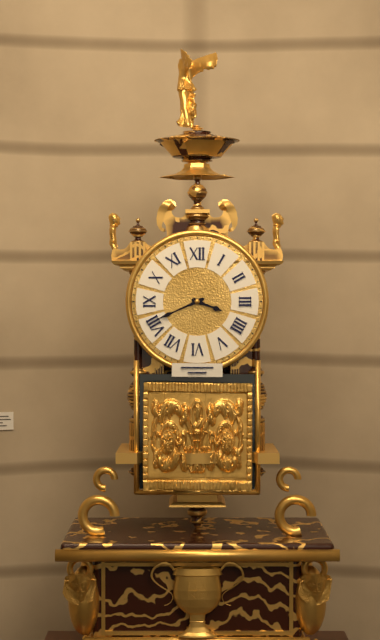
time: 3:41
